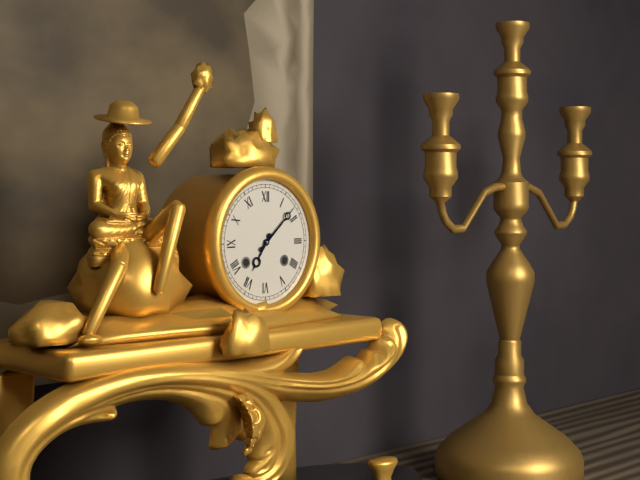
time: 7:08
